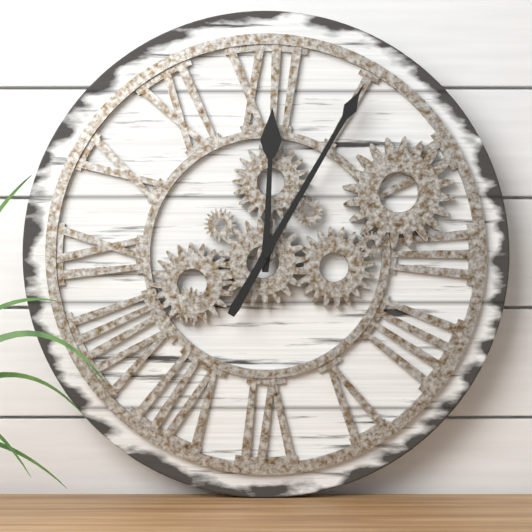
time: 12:05
